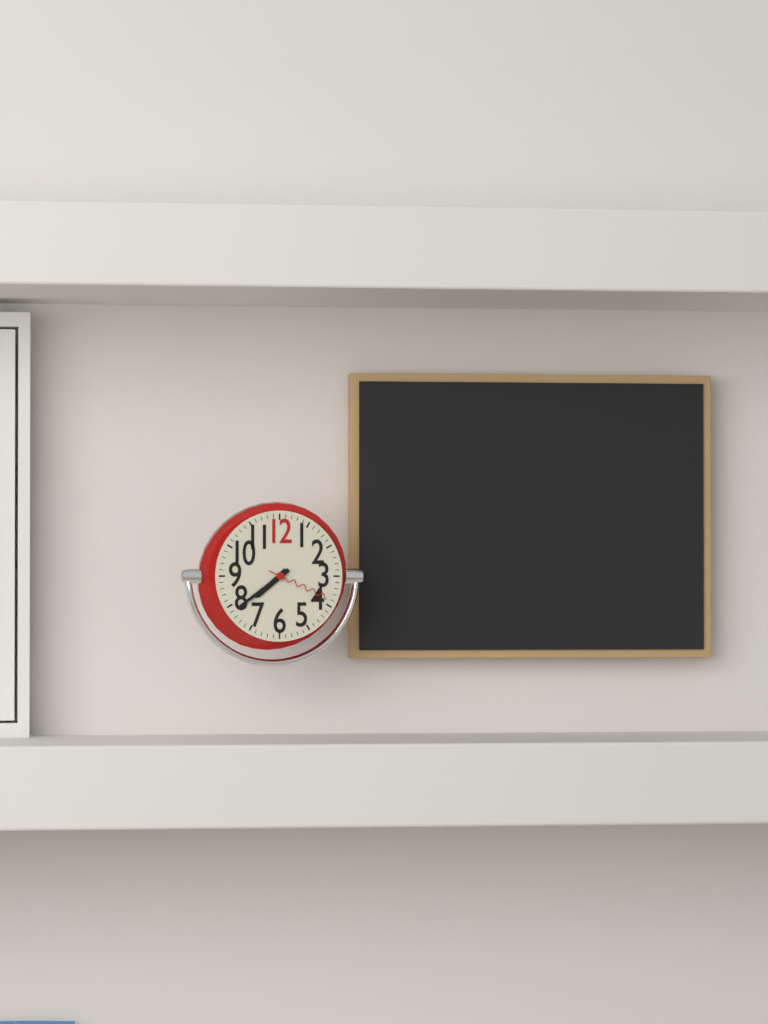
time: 7:39:19
